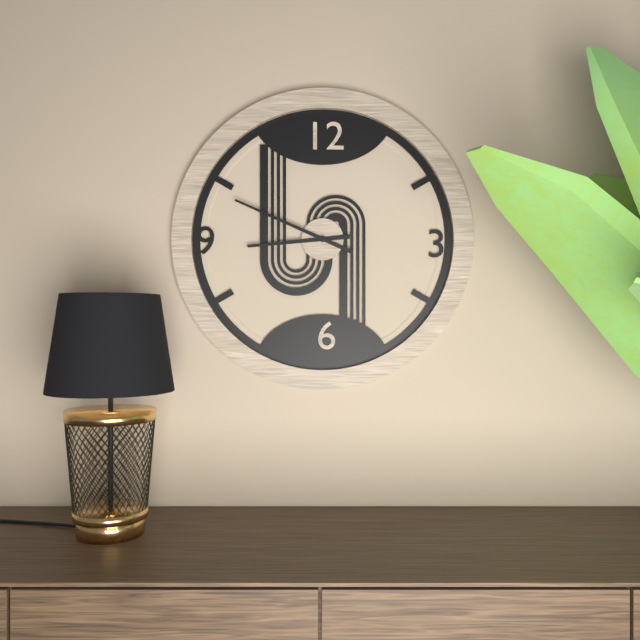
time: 8:49
